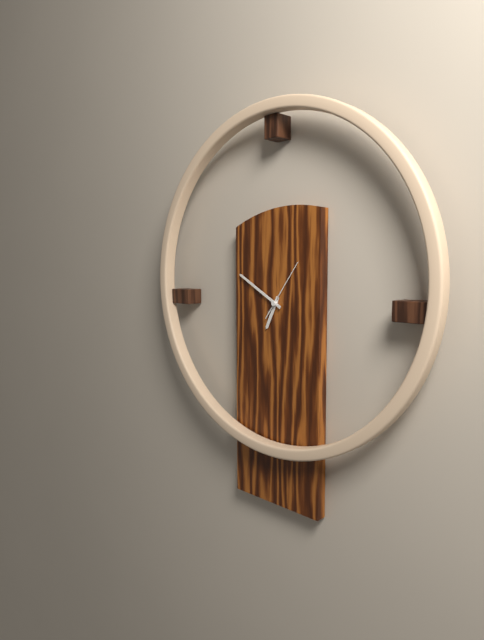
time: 6:50:06
